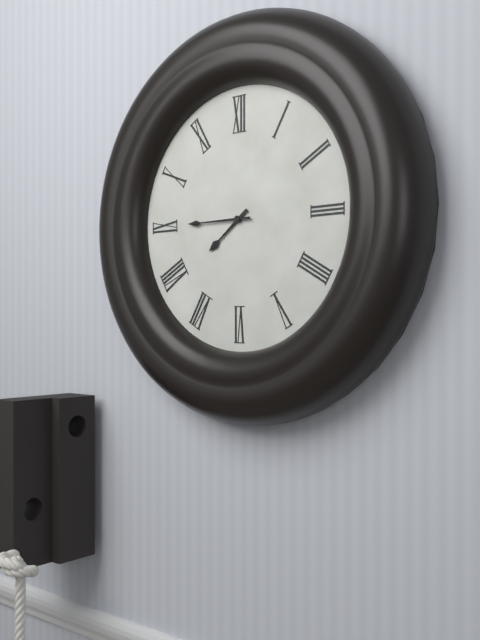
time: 7:45
